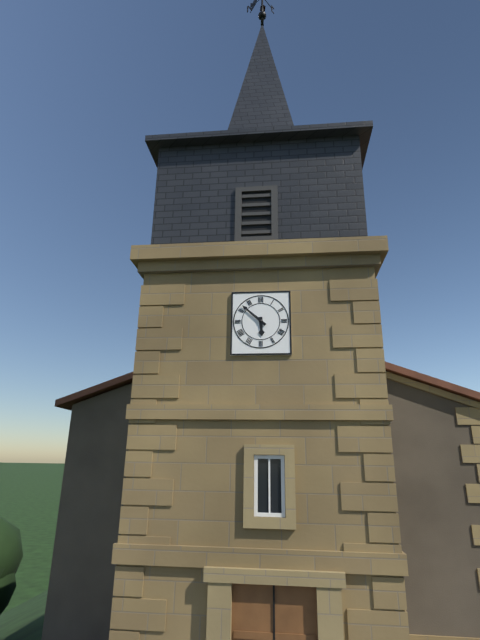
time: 5:52
